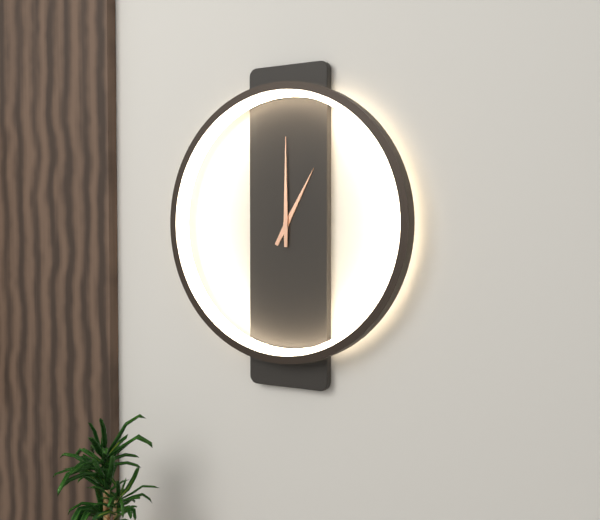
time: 1:00
